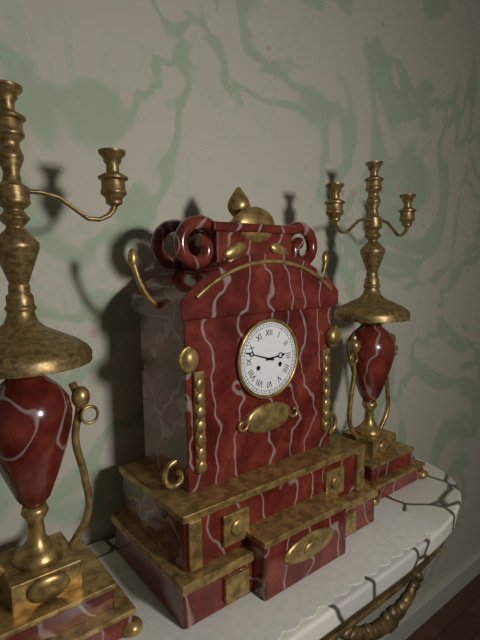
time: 2:48
